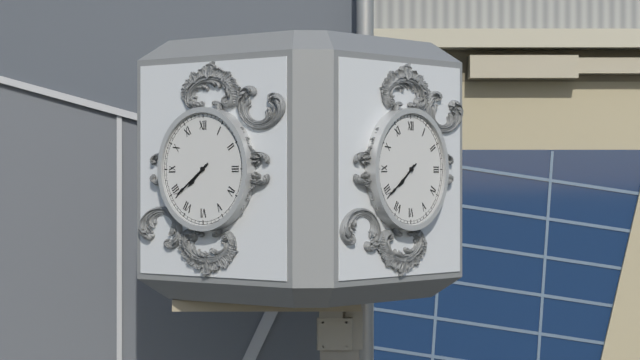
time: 7:39
